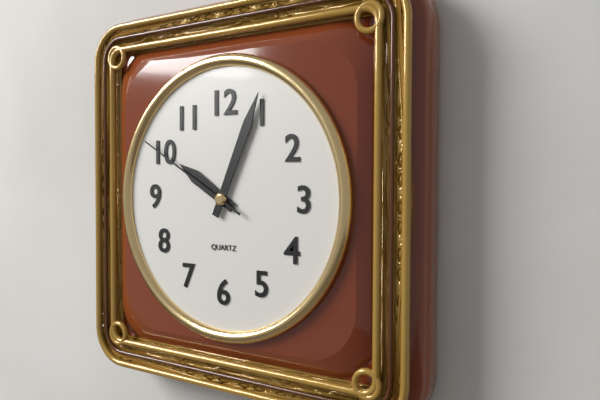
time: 10:04:50
